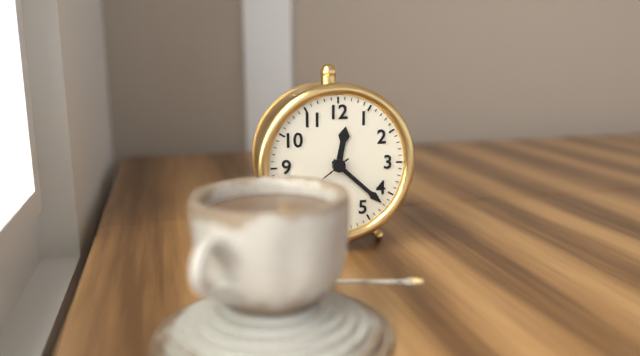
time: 12:22
